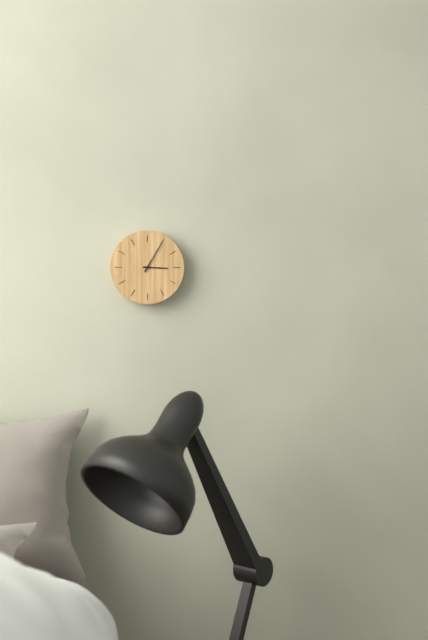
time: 3:05
